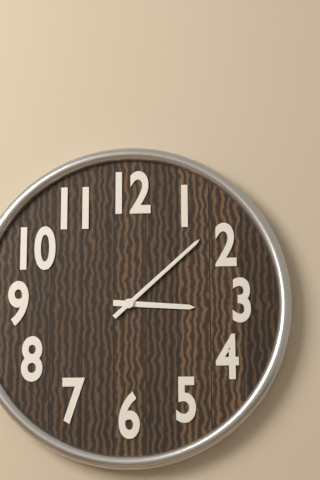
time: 3:08
